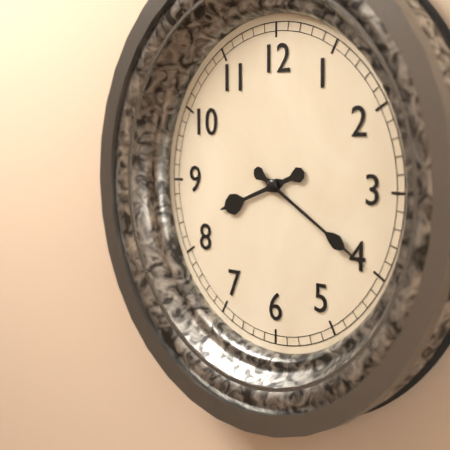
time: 8:20
